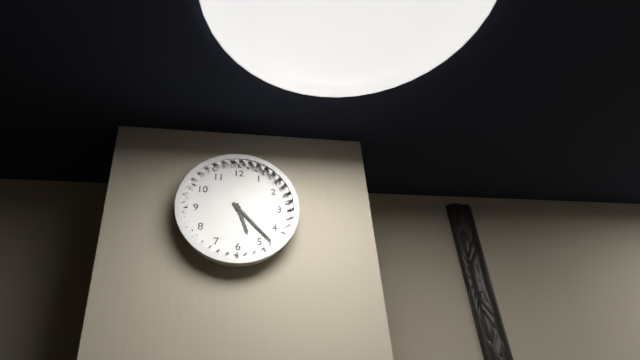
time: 5:23
